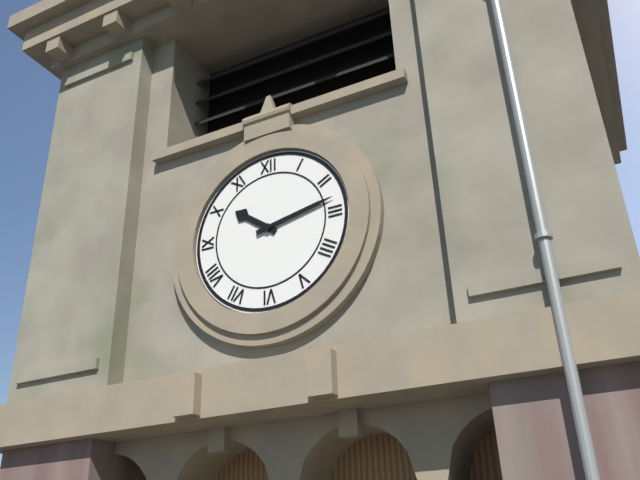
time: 10:13
